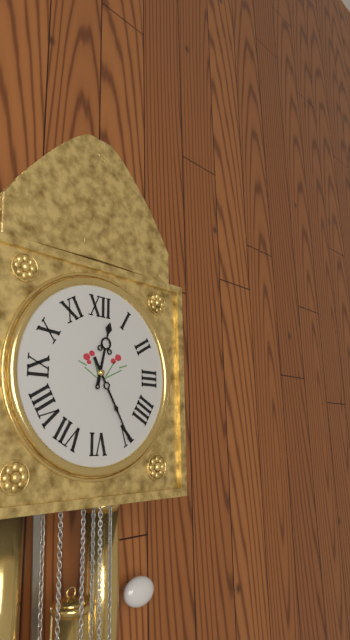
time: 12:25
